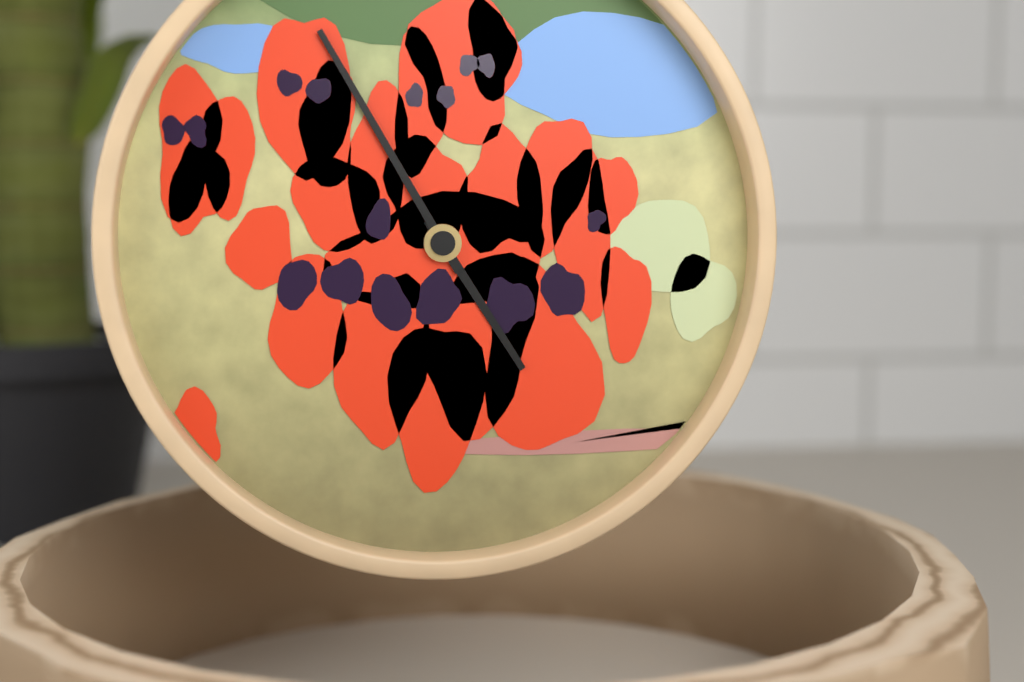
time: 4:55
